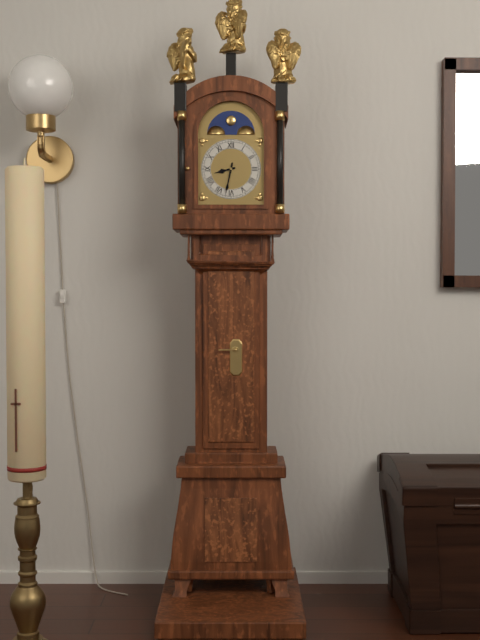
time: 8:32
